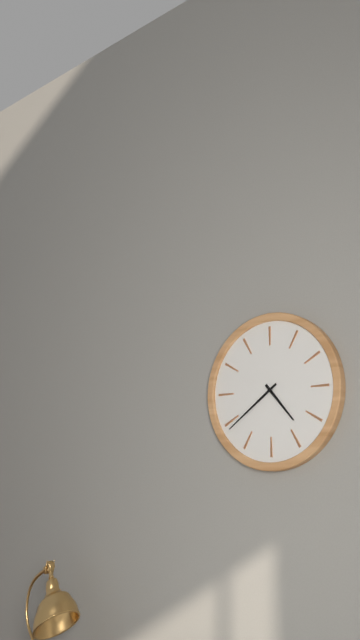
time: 4:39
